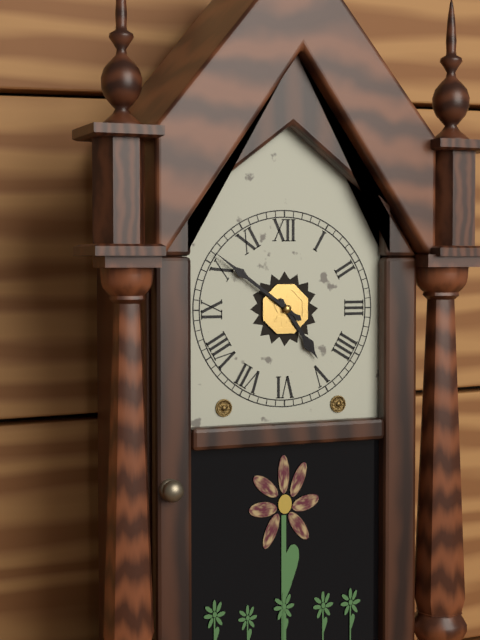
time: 4:51
